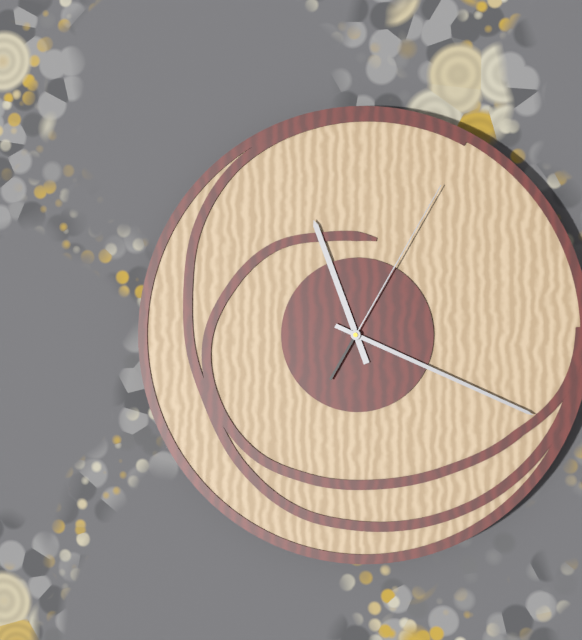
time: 11:19:05
